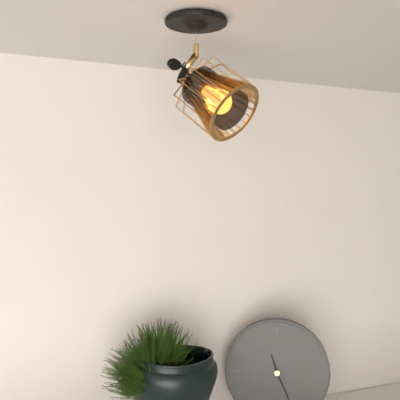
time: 11:26
